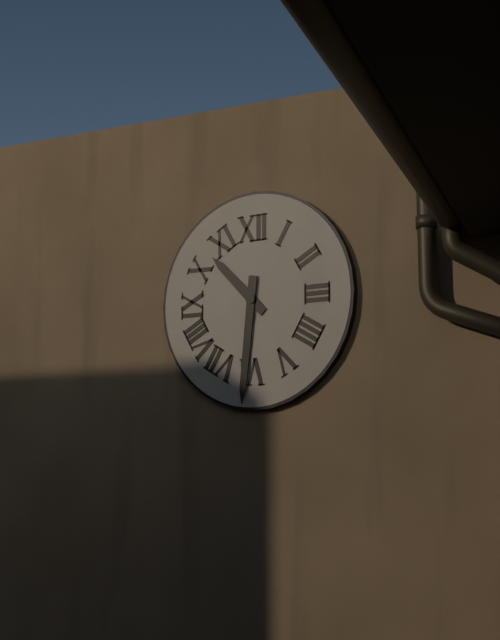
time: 10:31
